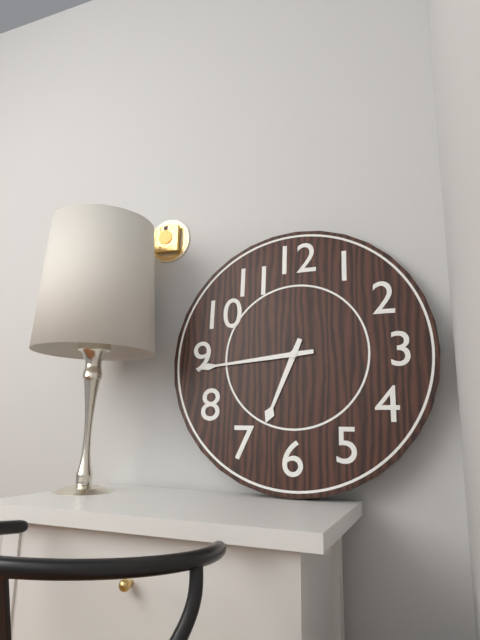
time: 6:44
